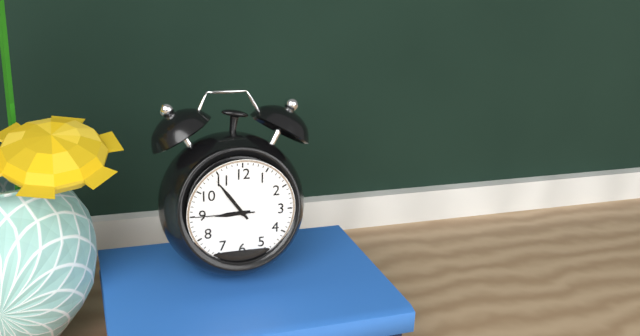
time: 8:54:45
